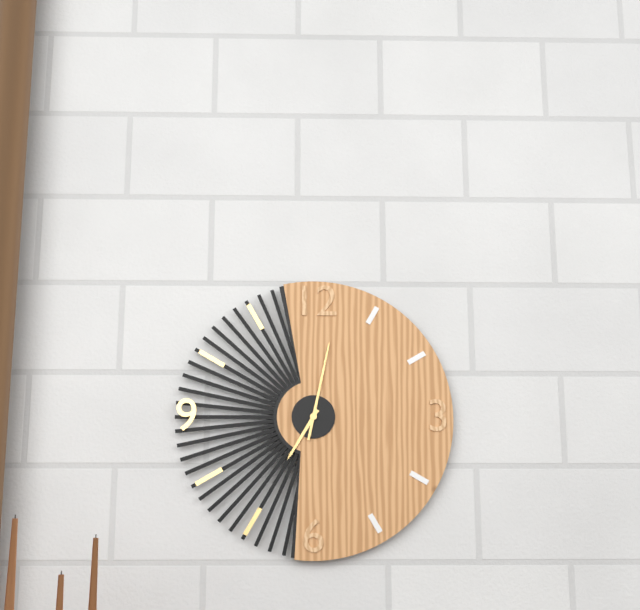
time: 7:02
